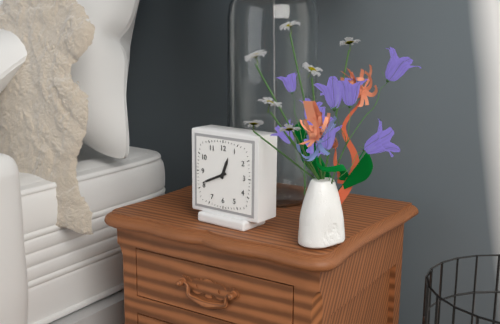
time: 12:41
